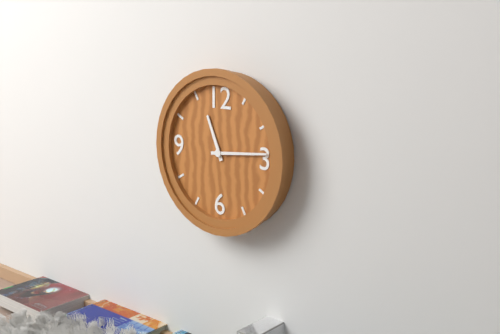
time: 11:14
